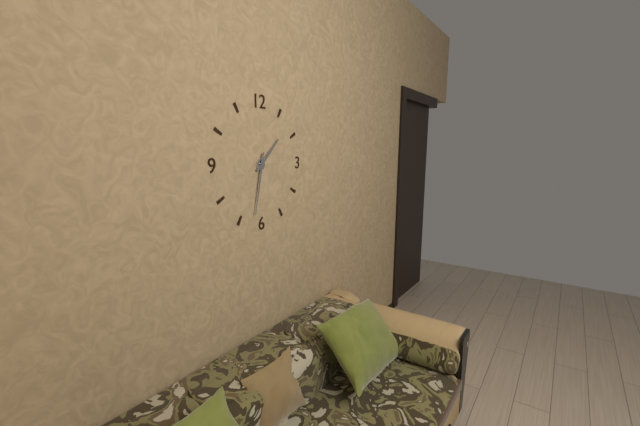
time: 1:32
